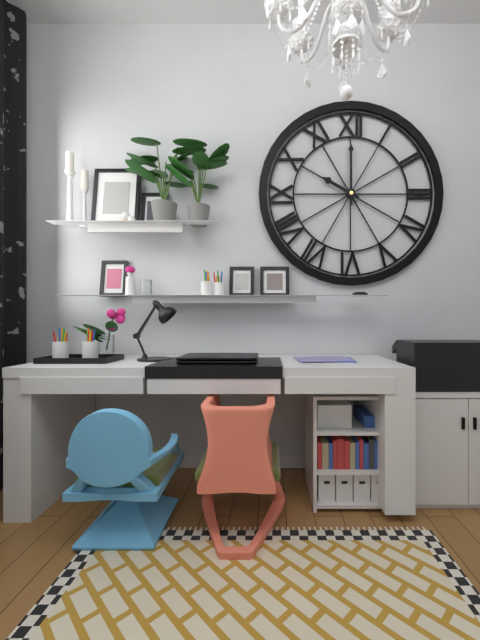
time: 10:00
